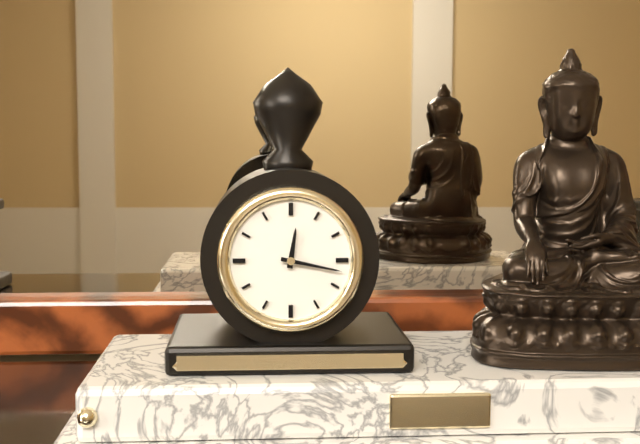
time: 12:17
